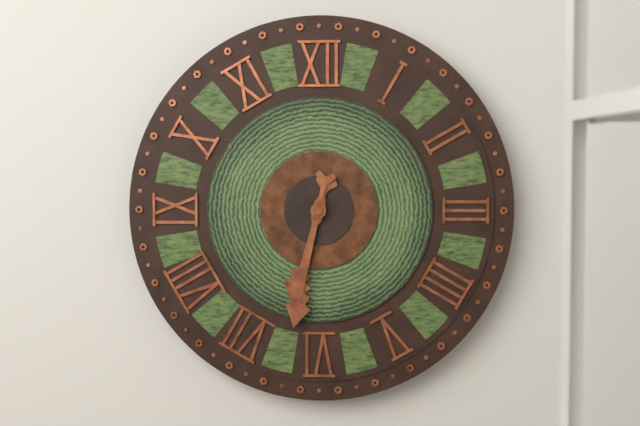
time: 6:32
